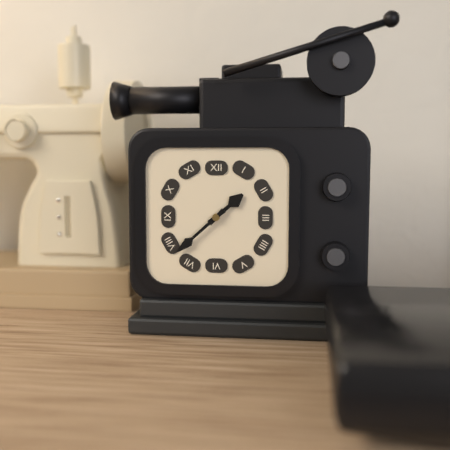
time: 1:38
